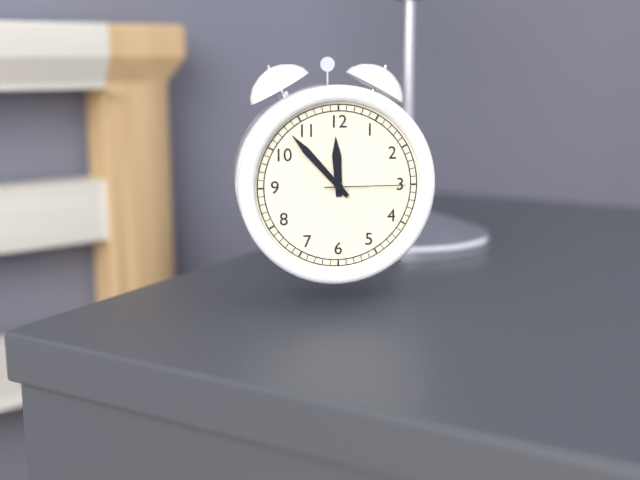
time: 11:53:15
